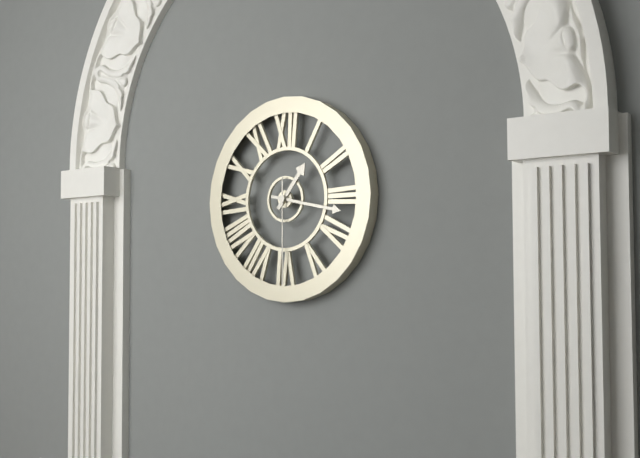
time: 1:17:30
